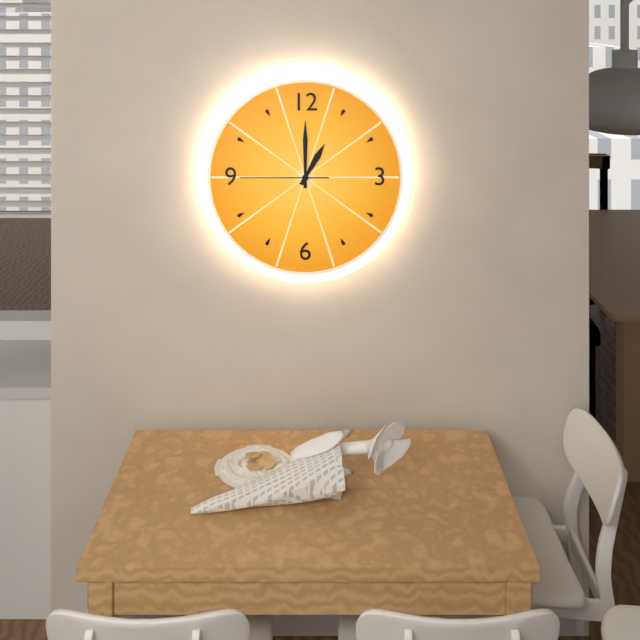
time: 1:00:45
